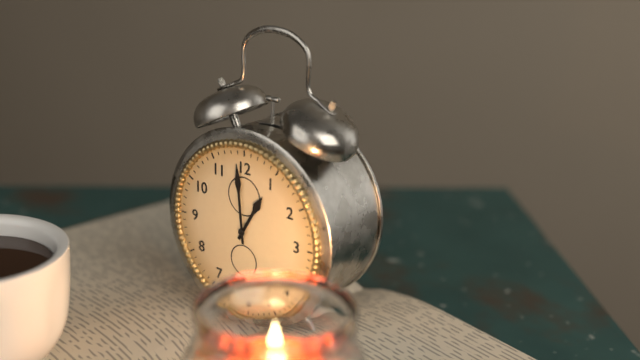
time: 12:59
